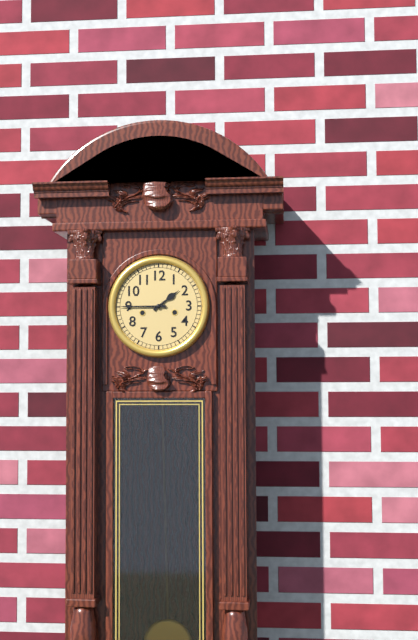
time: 1:45
